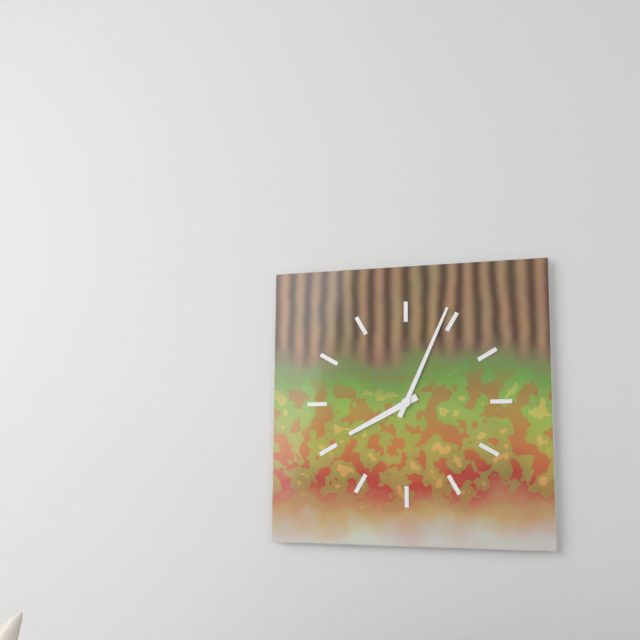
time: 8:04
